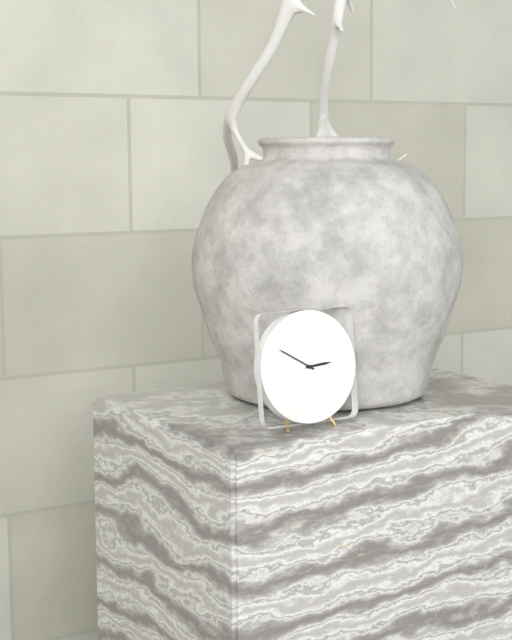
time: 2:50
